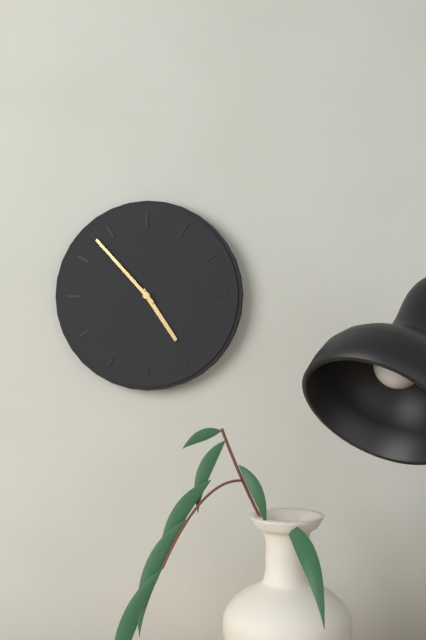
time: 4:53
